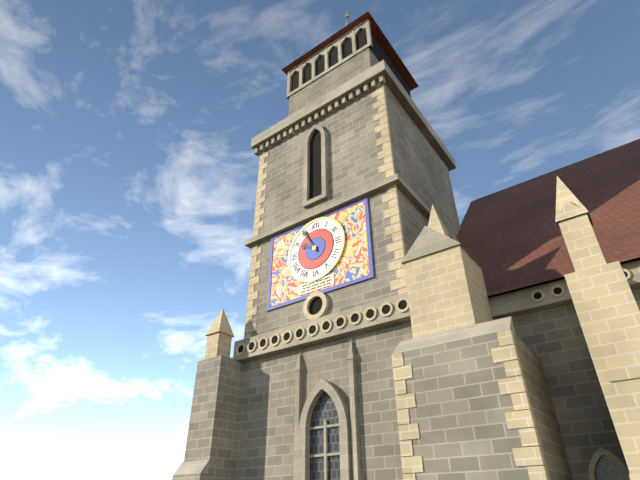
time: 9:55
